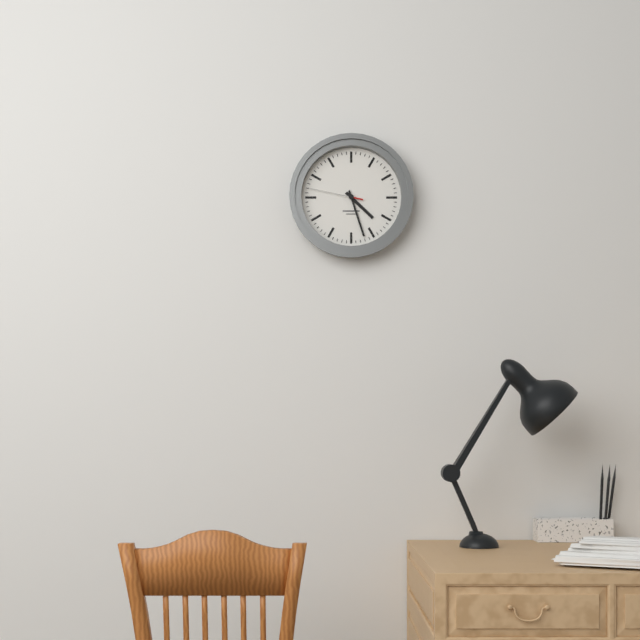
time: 4:27:47
